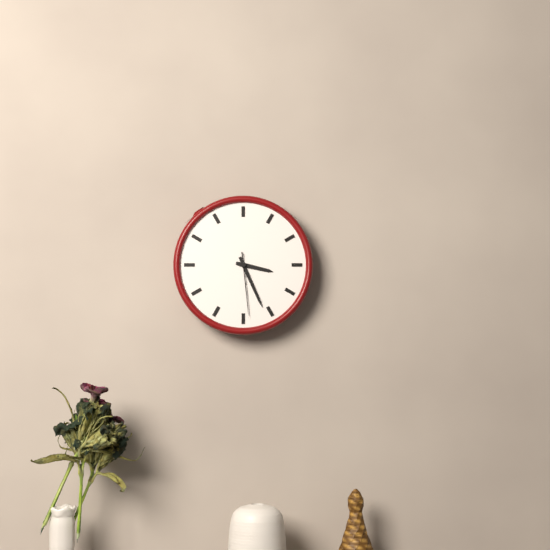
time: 3:26:29
